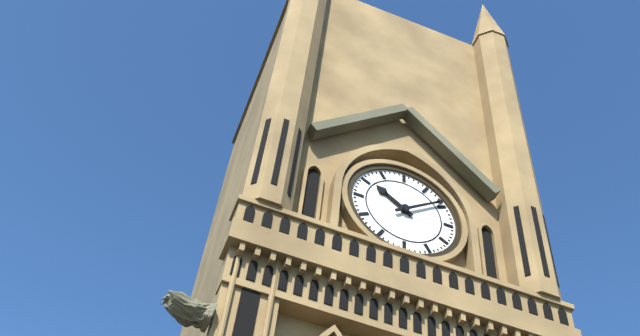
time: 10:09
